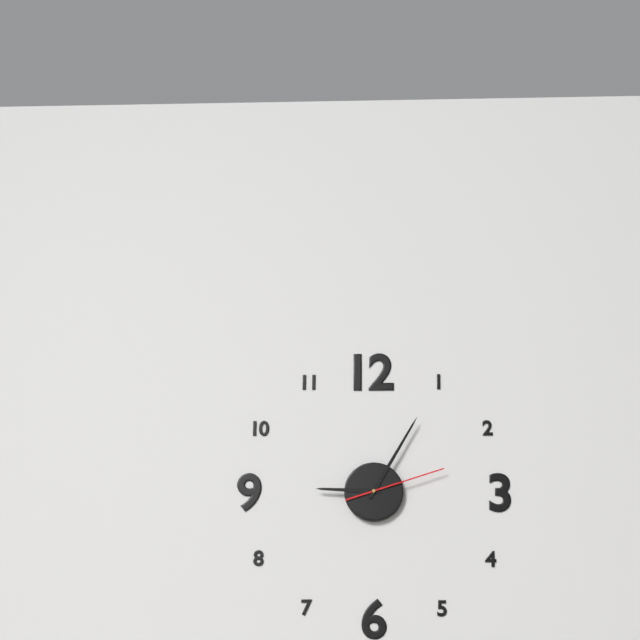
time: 9:05:12
